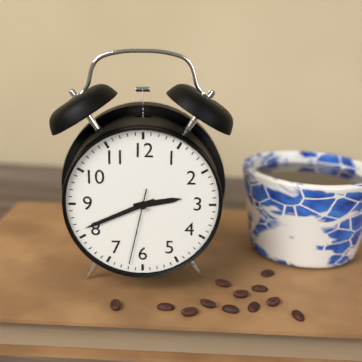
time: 2:41:32
